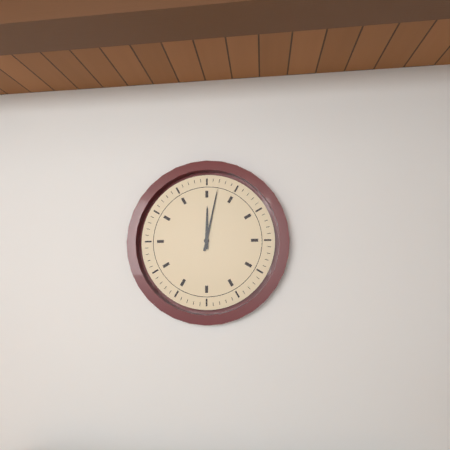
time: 12:02
